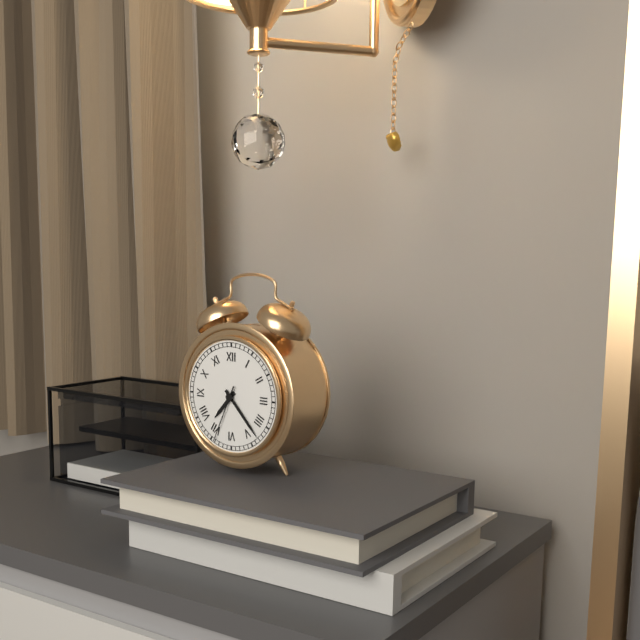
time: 7:23:34
